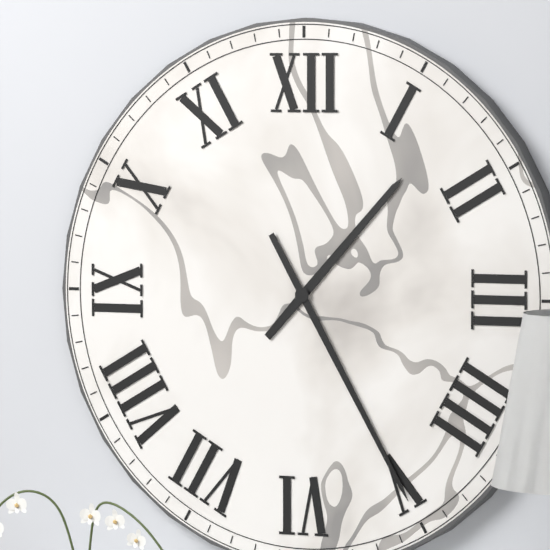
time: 1:25
